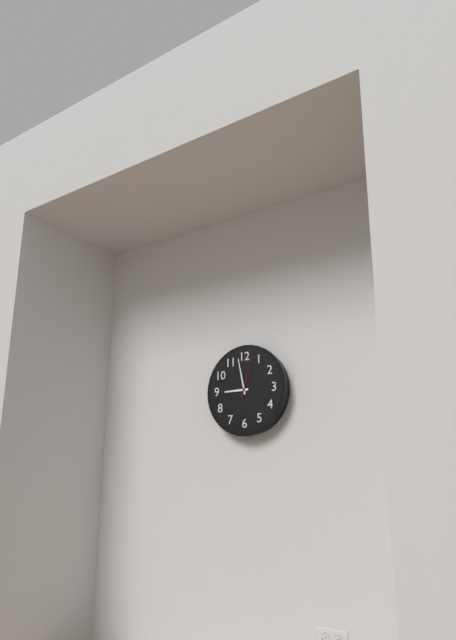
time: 8:58
